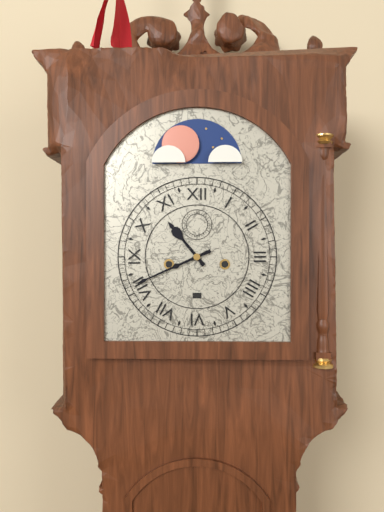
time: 10:41
